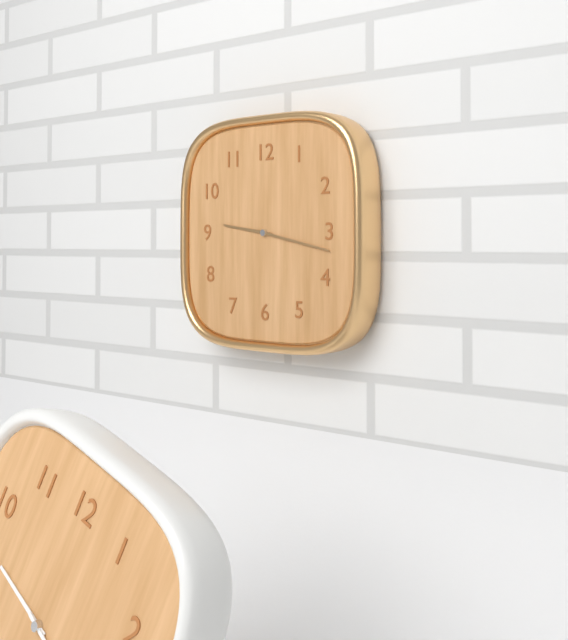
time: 9:17
